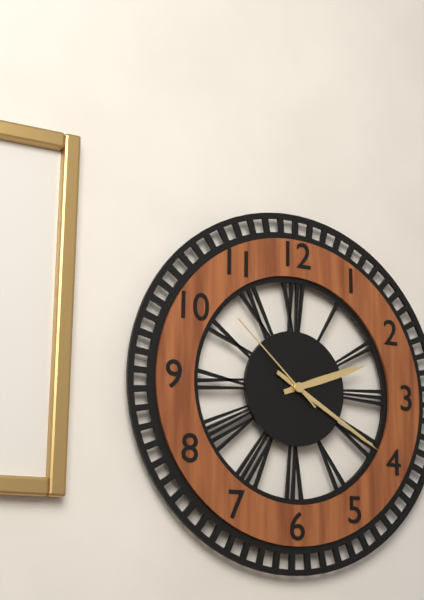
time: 2:20:52
